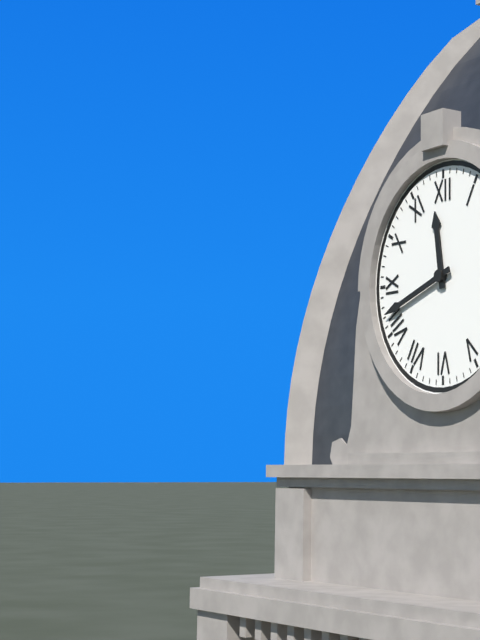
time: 11:42
